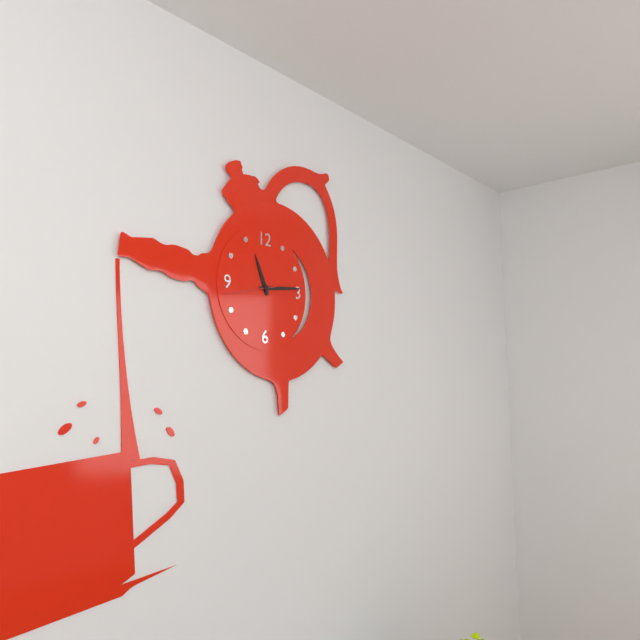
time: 11:14:43
